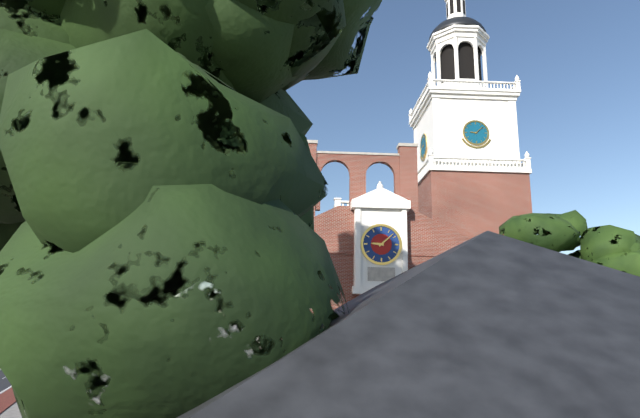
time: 9:08
